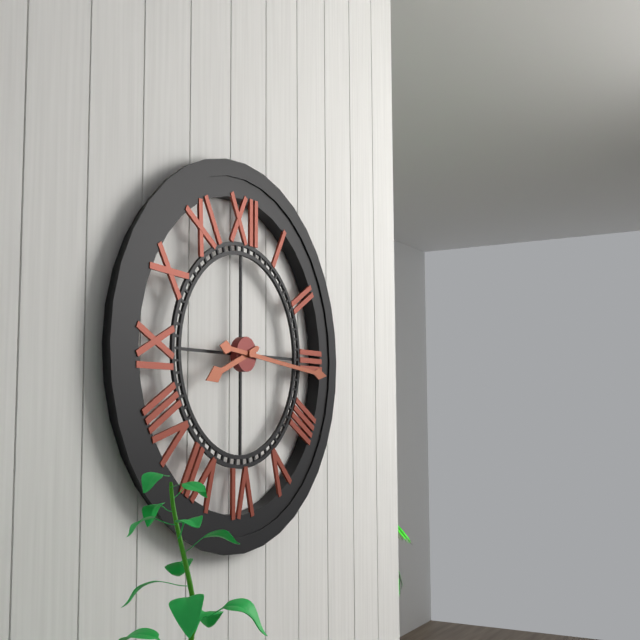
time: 8:16
